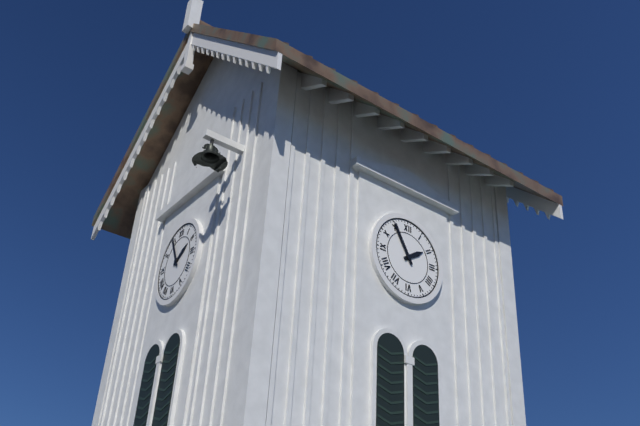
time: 1:55
